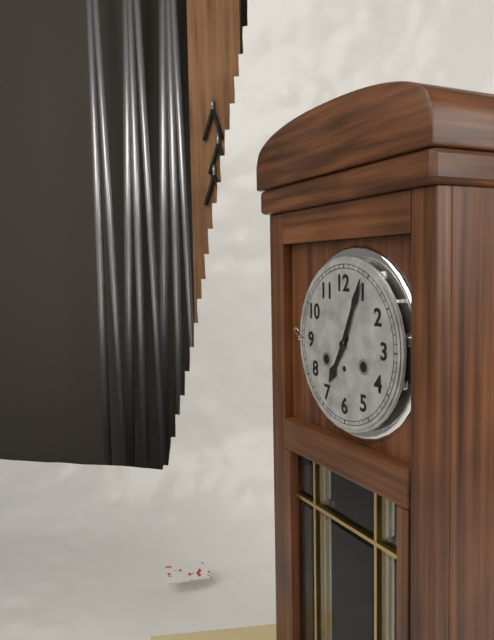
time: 7:04
